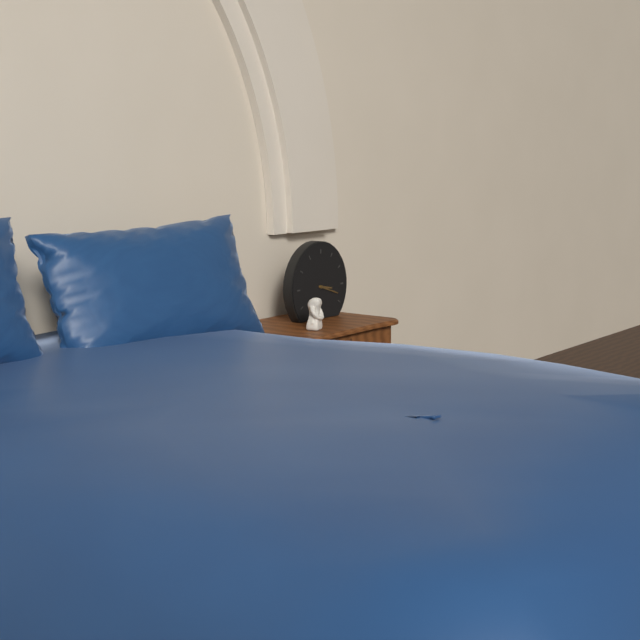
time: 3:18
